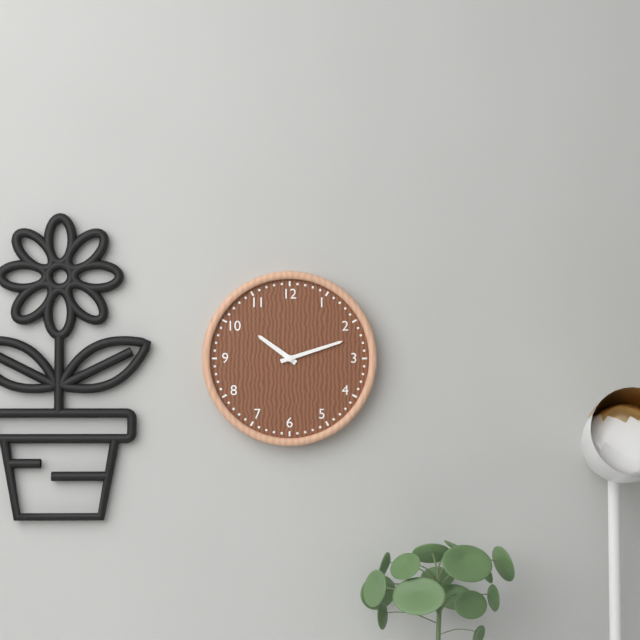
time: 10:12
